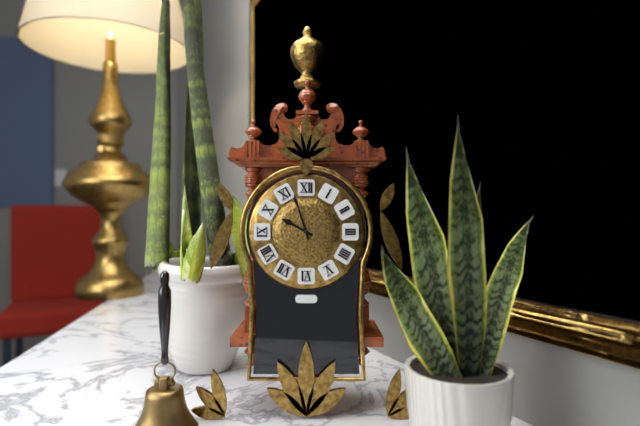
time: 9:57
